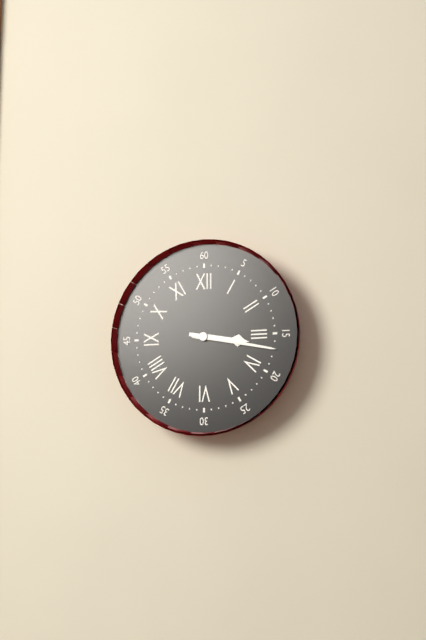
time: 3:17
